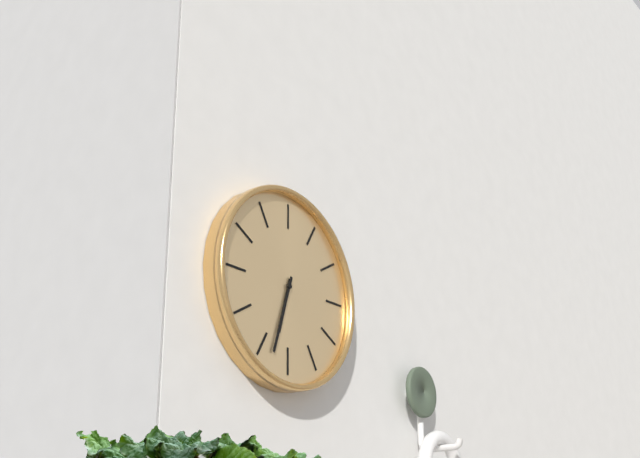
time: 6:33
